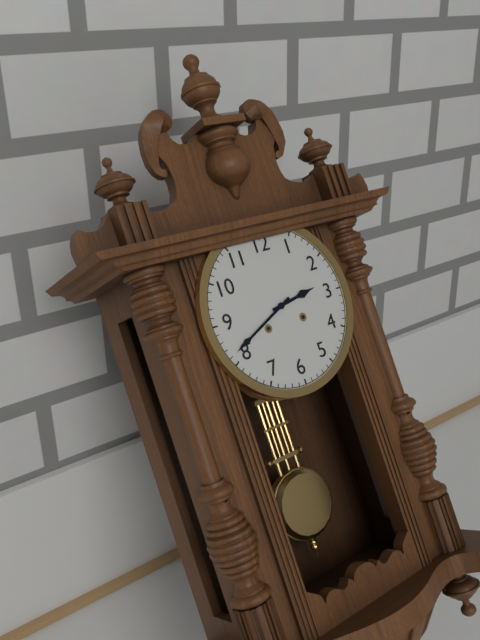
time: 2:41
